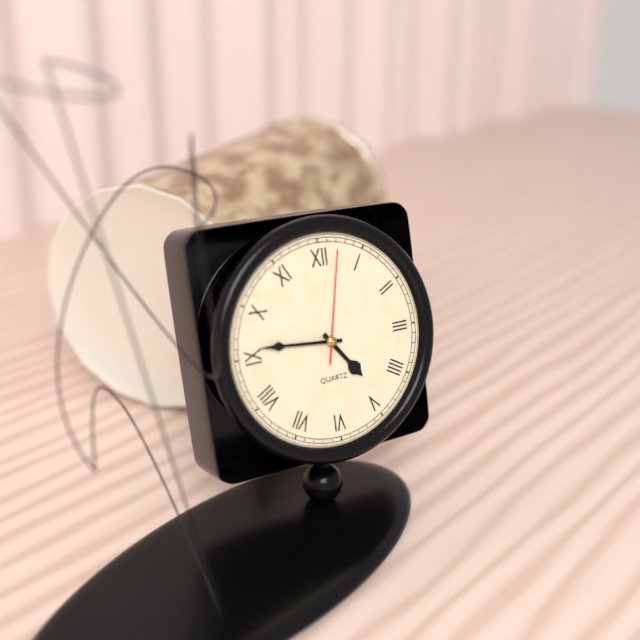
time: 4:46:02
